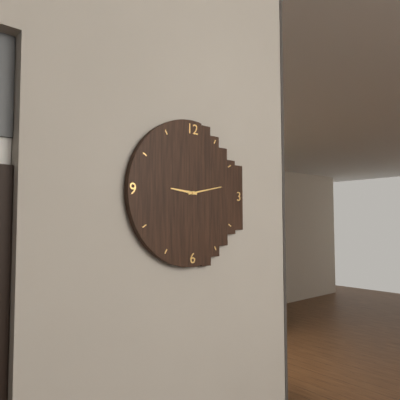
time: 9:13
